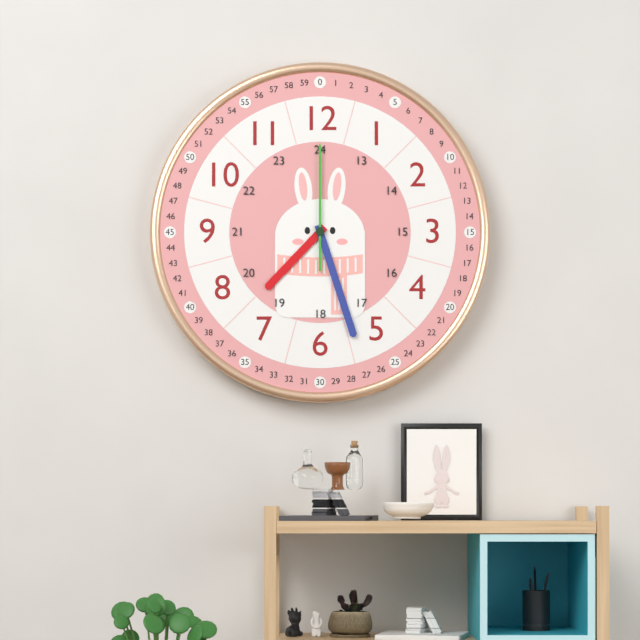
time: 7:27:00
